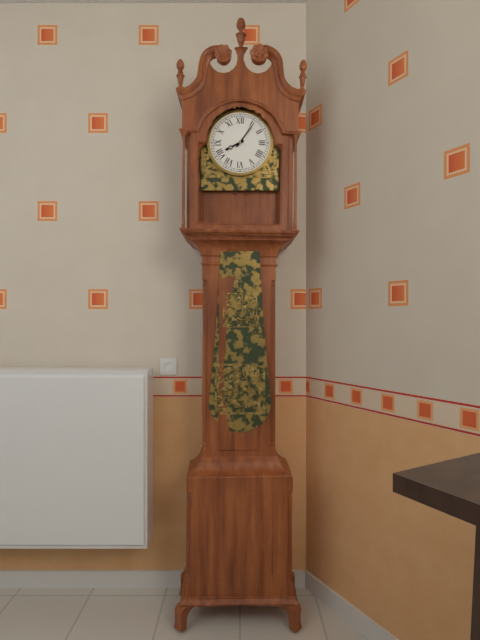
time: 8:06
